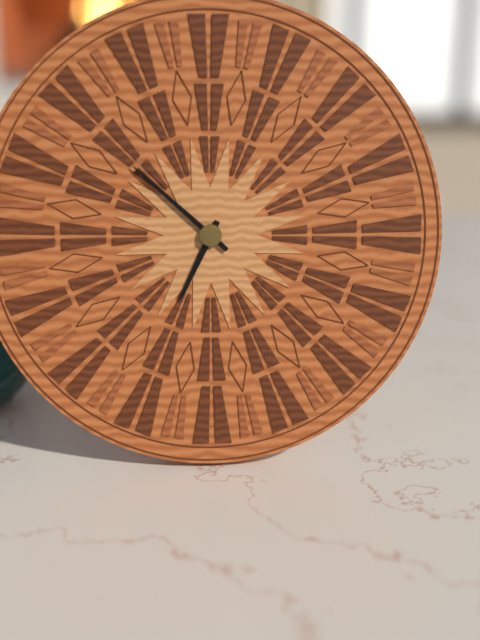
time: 6:52
